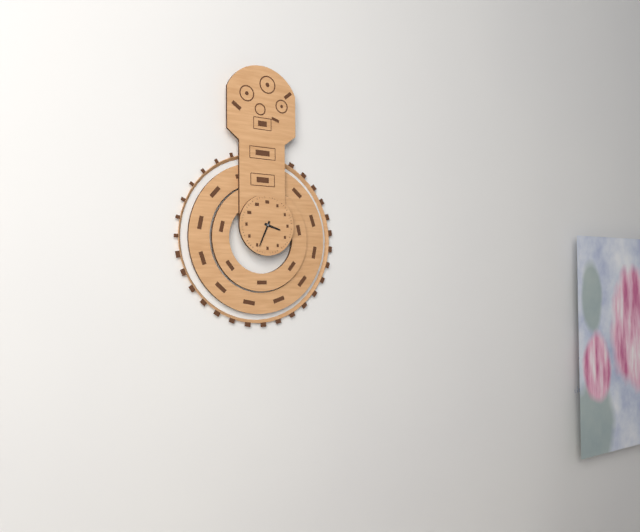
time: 3:34
